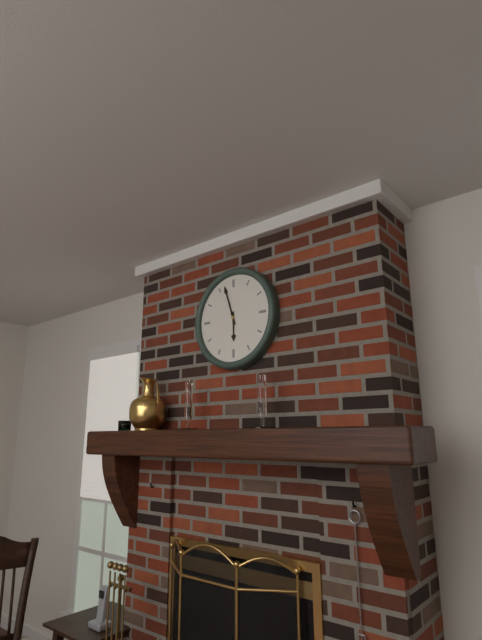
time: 5:57
